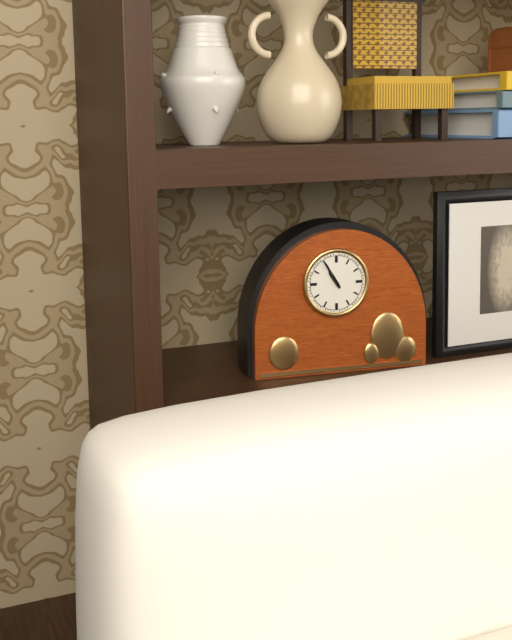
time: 10:55
